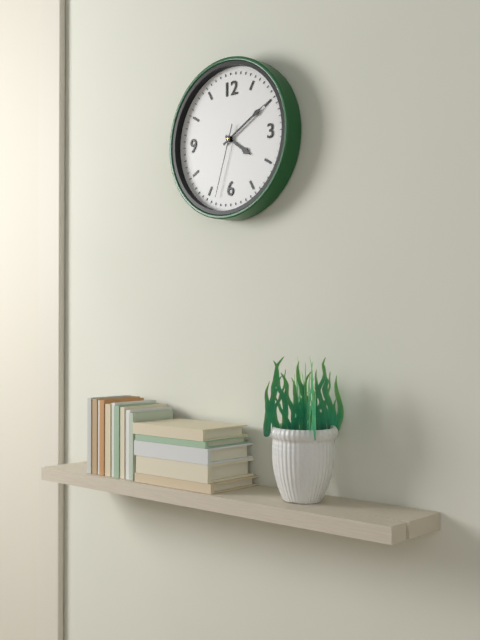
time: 4:10:33
